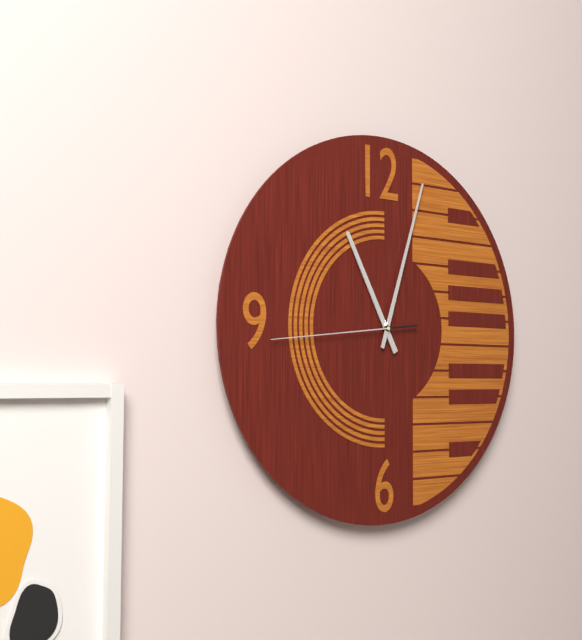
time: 11:03:44
